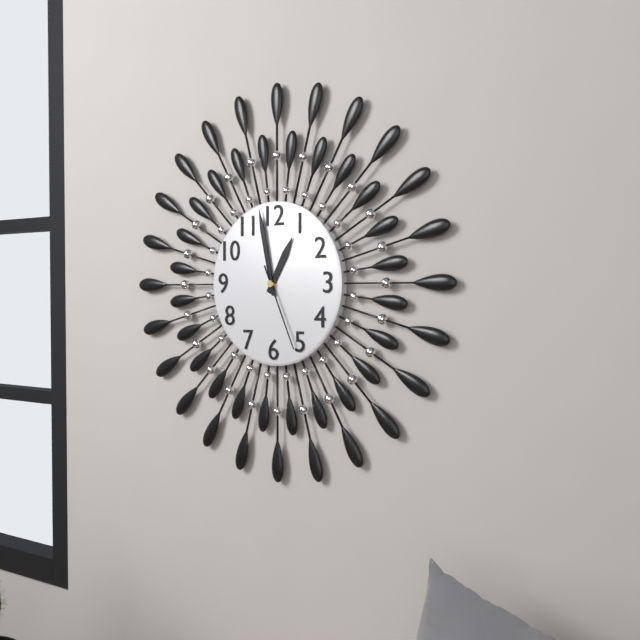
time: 12:58:26
